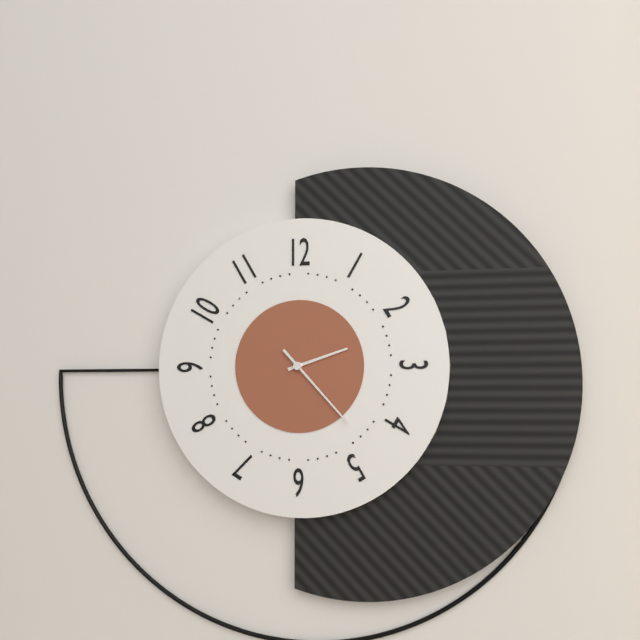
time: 2:23
